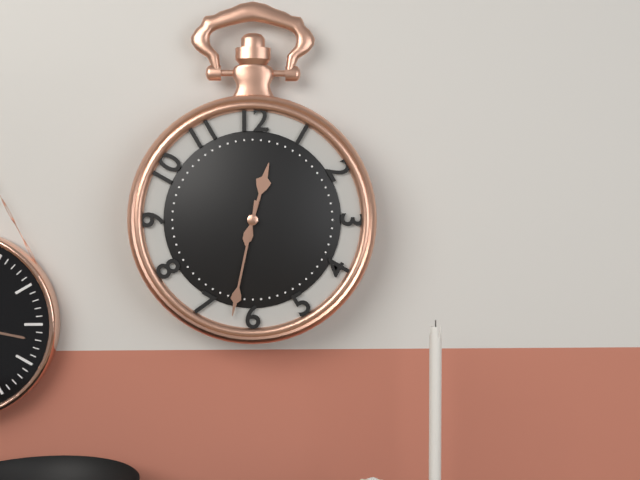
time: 12:32
